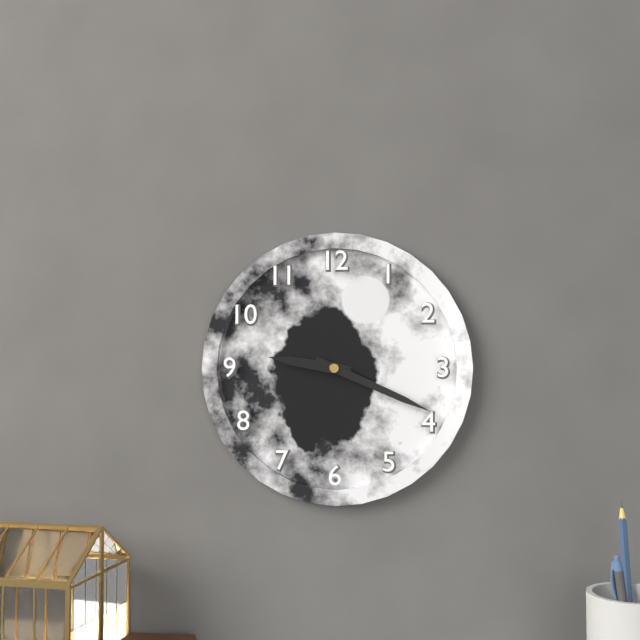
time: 9:19
